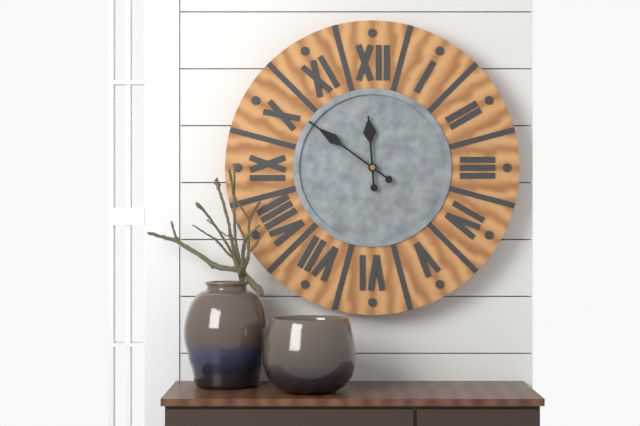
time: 11:51
